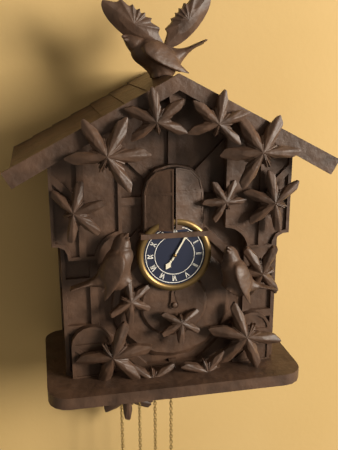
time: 7:05
